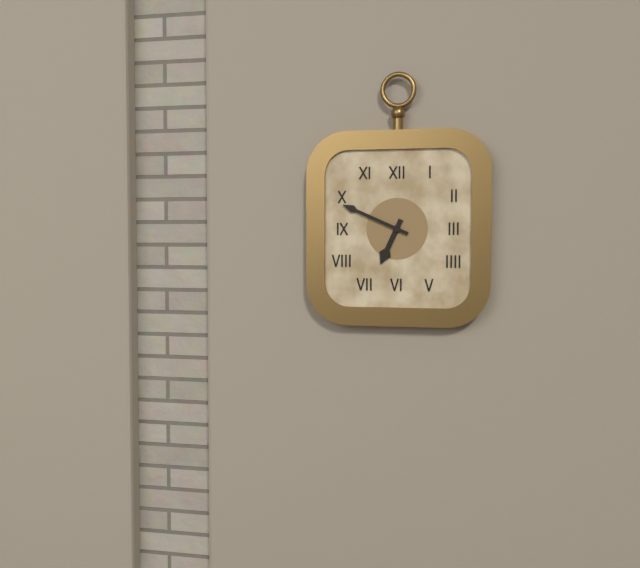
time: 6:49
